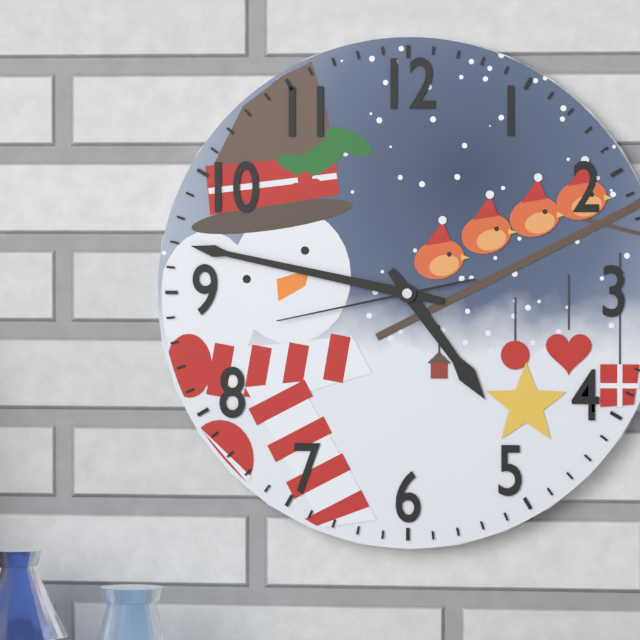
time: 4:47:43
